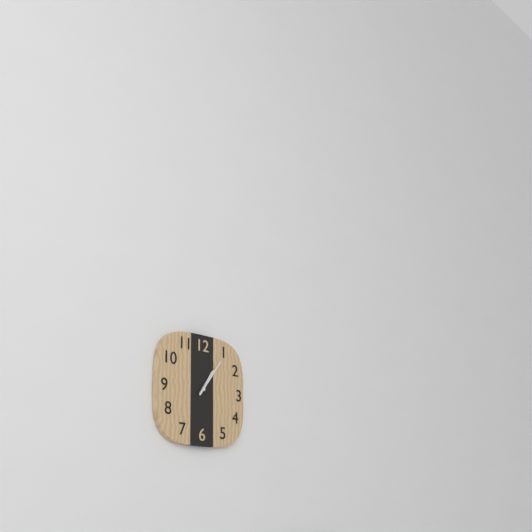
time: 1:06
